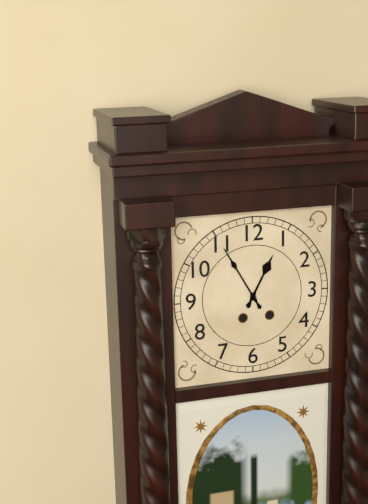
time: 12:55
